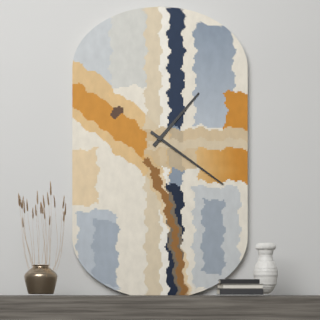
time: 1:21
